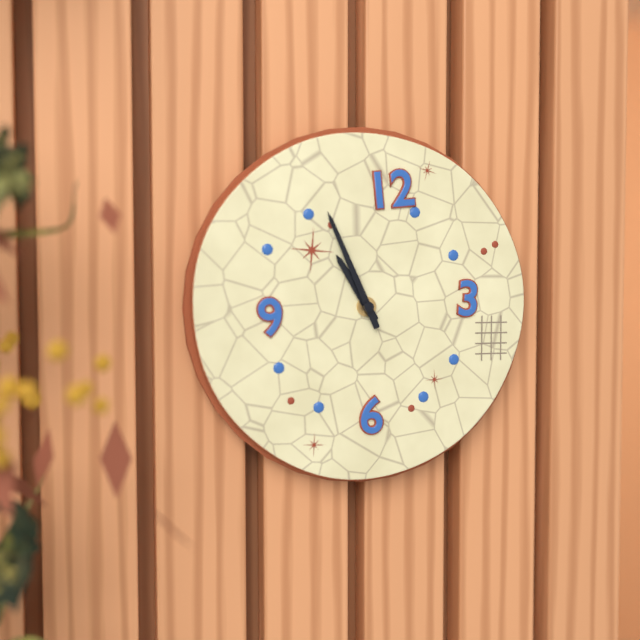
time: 10:56
